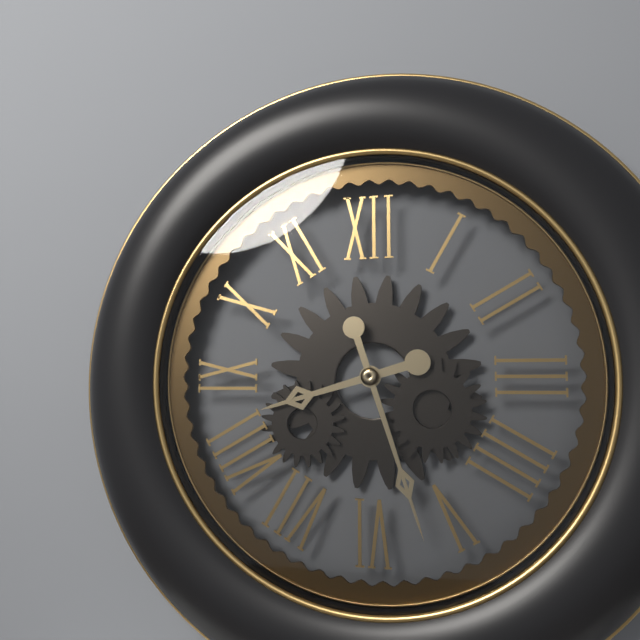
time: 8:27
